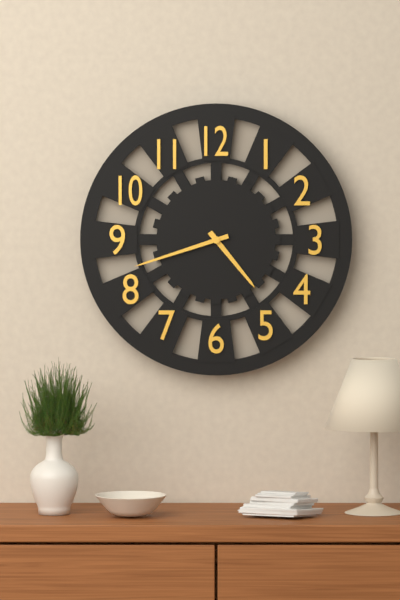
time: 4:42
